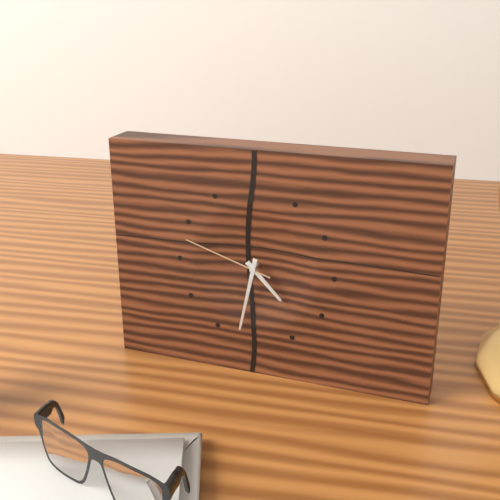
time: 4:32:48
